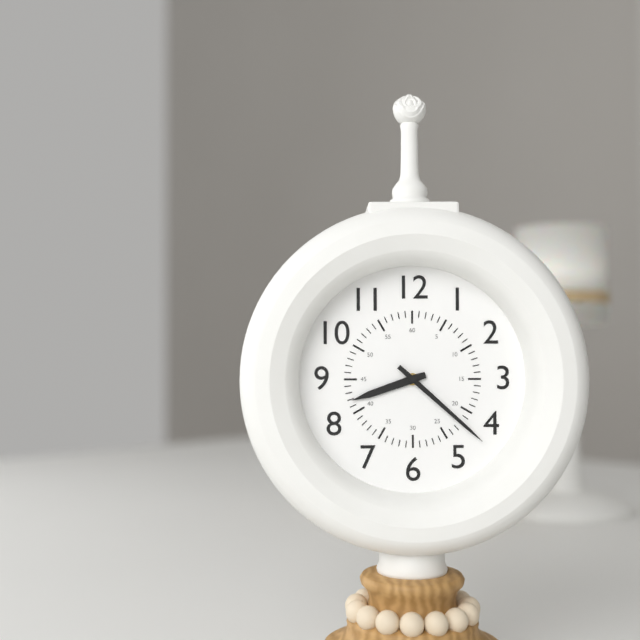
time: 8:22
